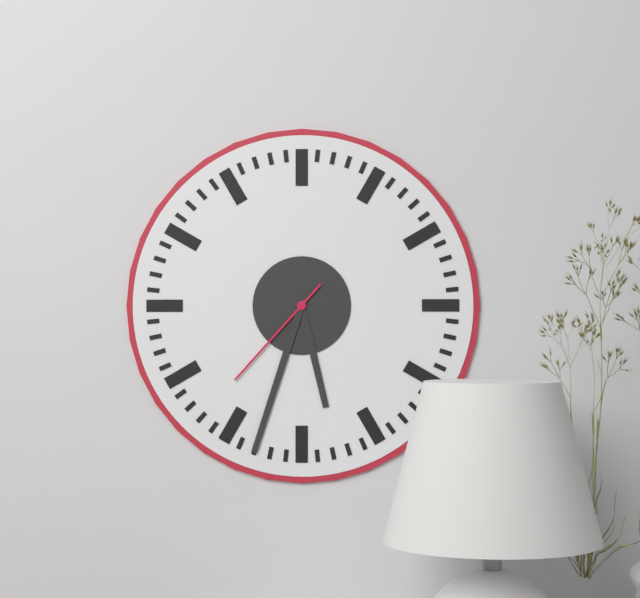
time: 5:33:37
